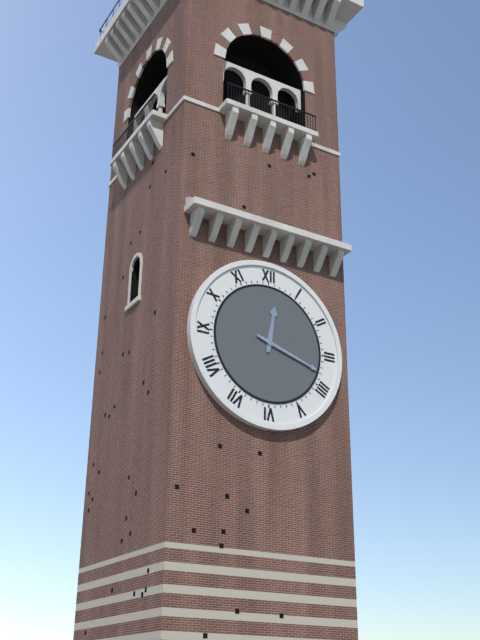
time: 12:18
